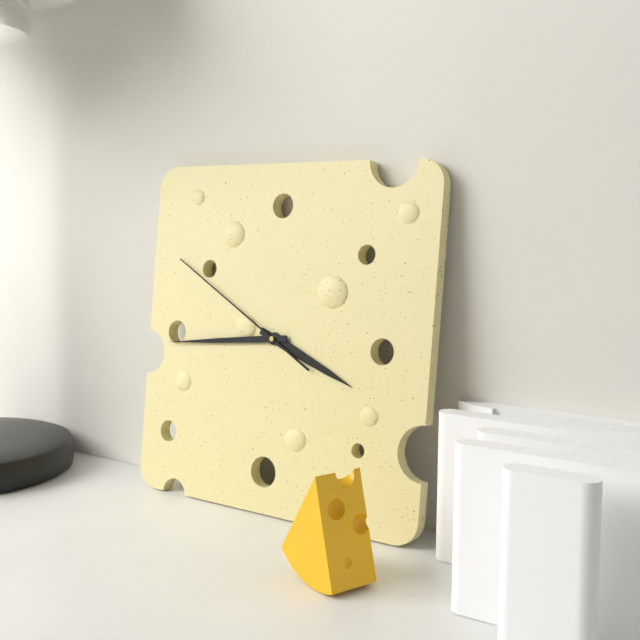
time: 3:44:50
